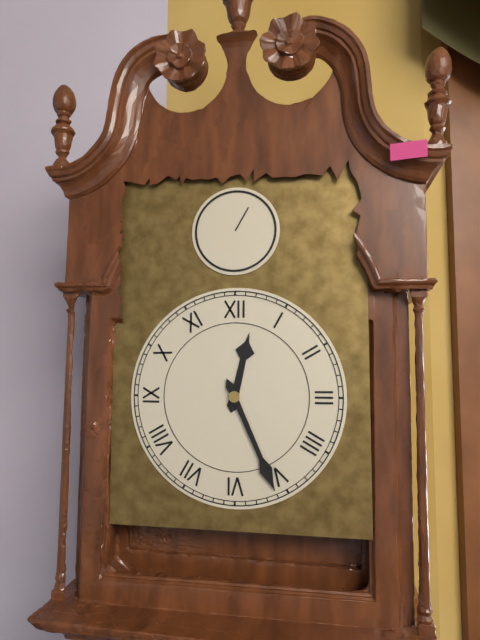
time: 12:26
